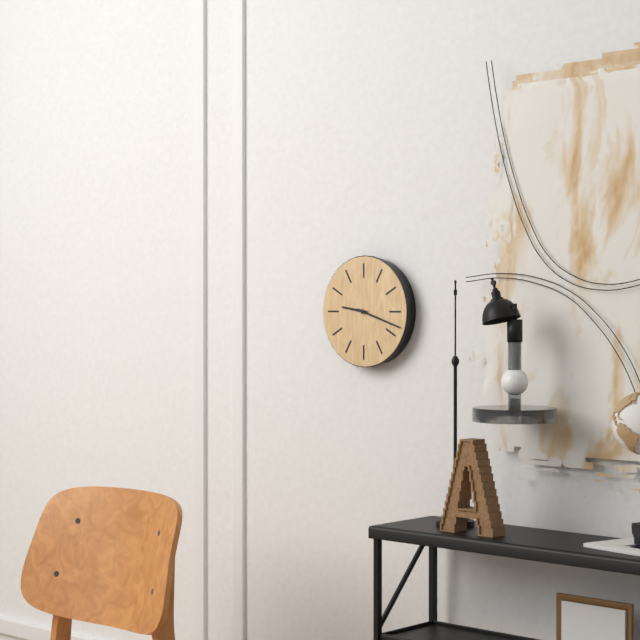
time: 9:18
